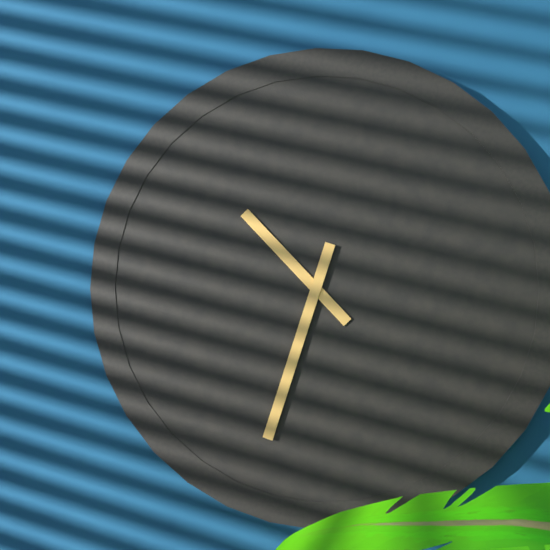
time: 10:33
